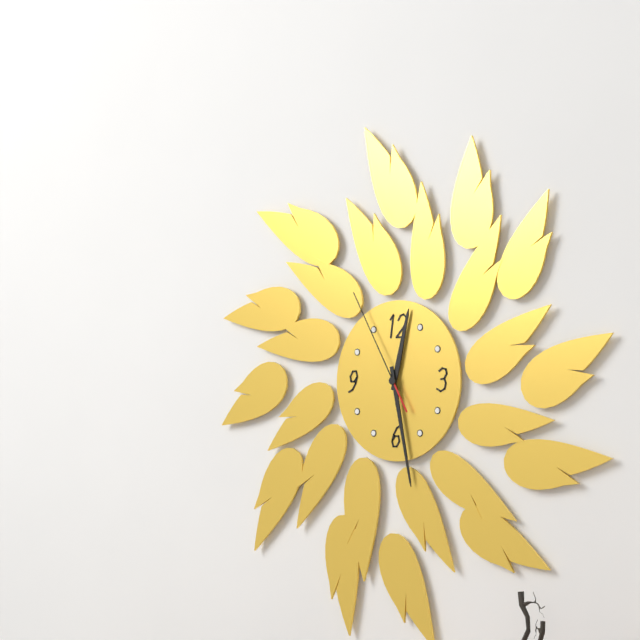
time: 12:28:55
